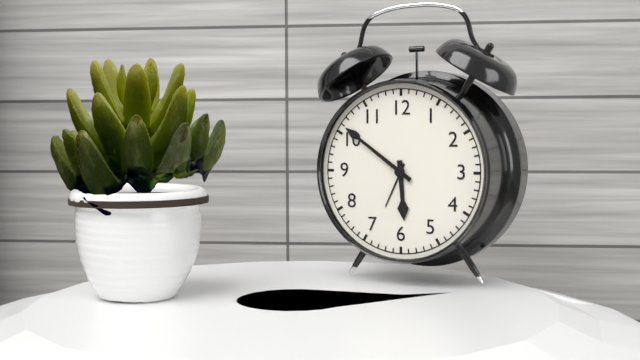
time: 5:51
